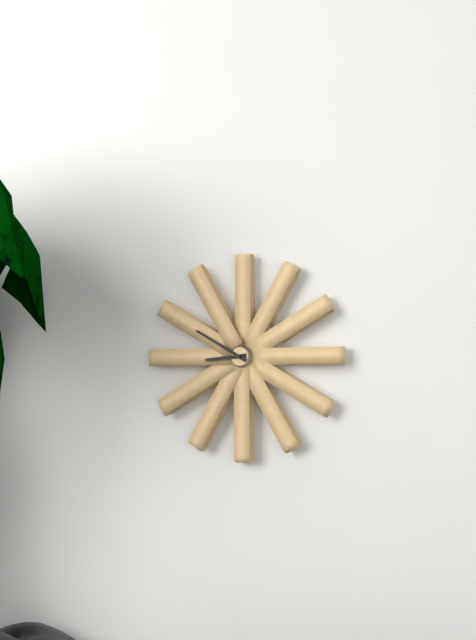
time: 8:50
